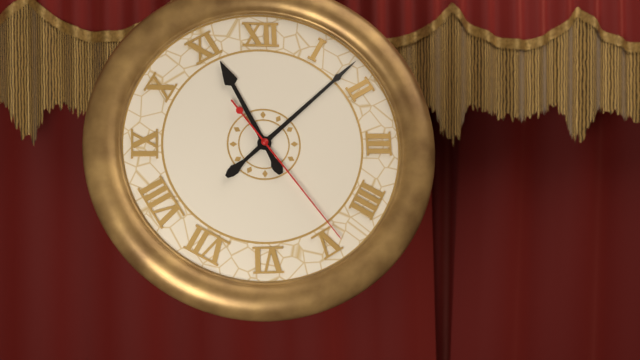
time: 11:08:24
